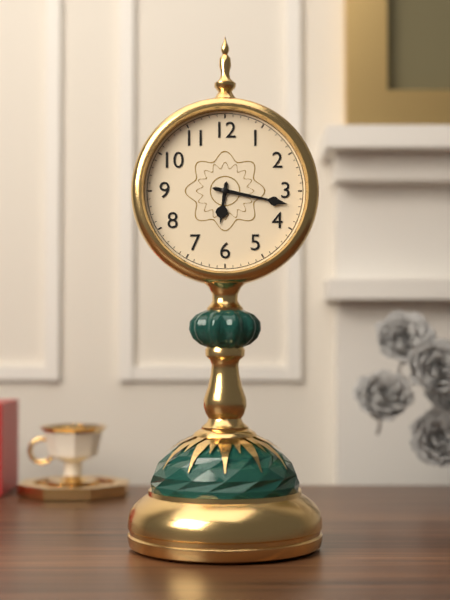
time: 6:17
